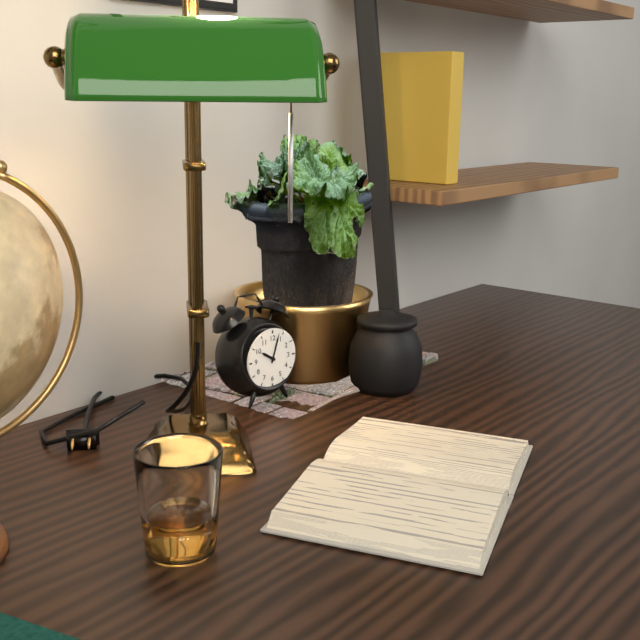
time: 10:03
